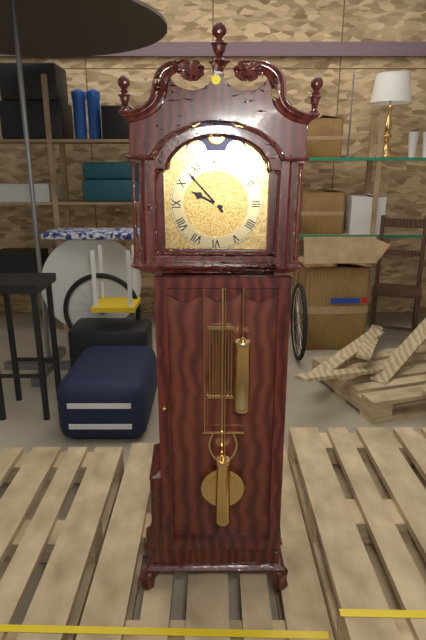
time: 9:53
